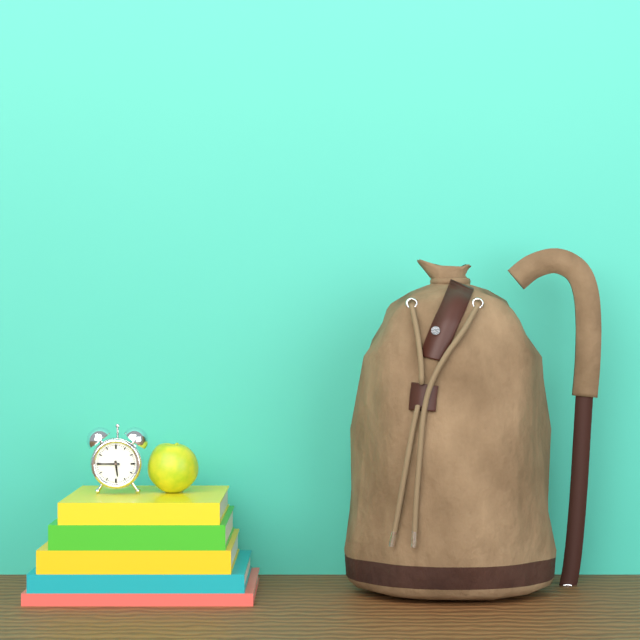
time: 5:45
